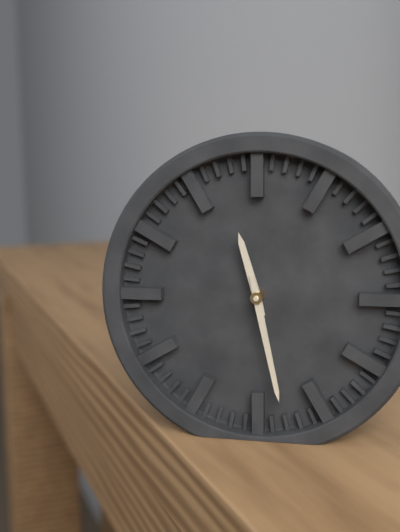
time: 11:28
